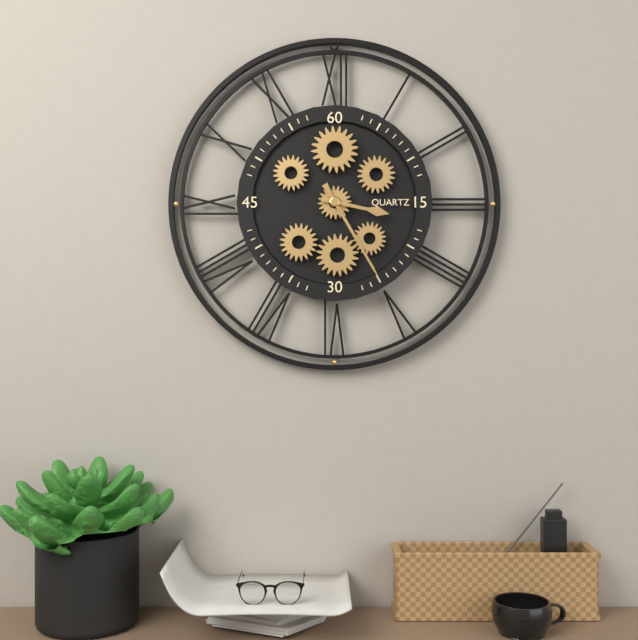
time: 3:25
